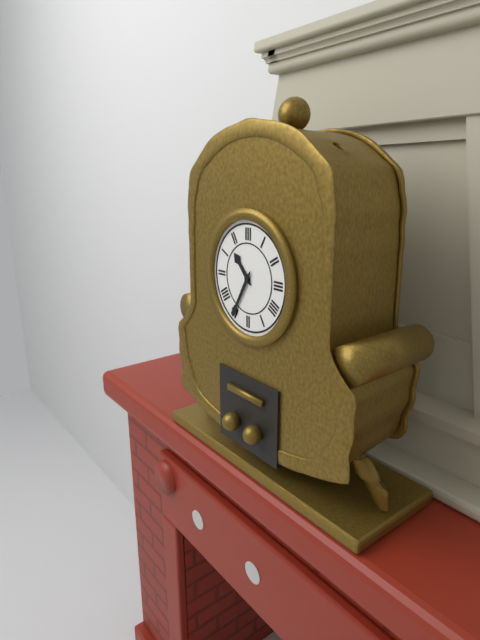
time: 10:35
